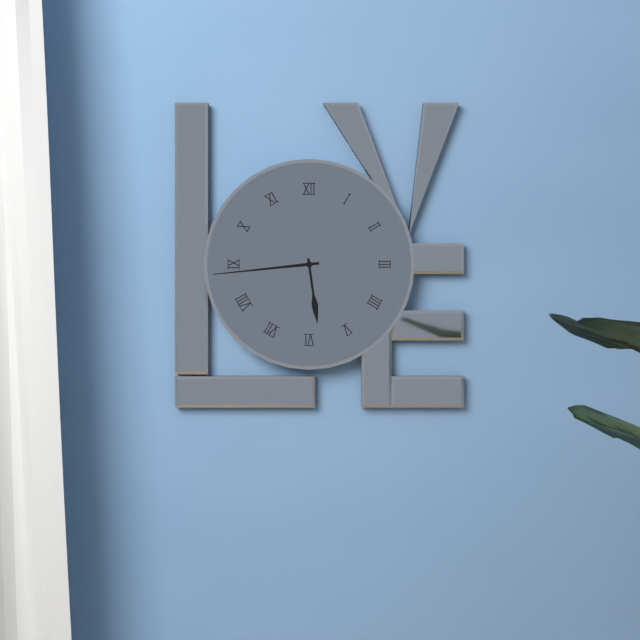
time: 5:44
